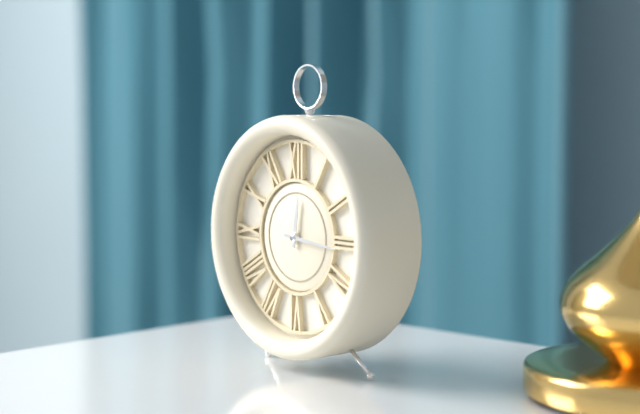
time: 12:16
